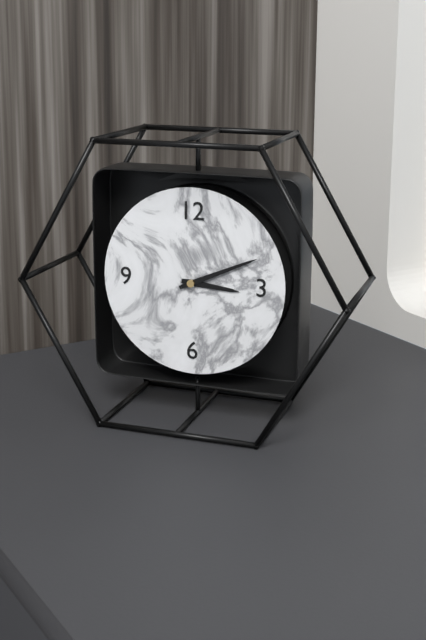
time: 3:11
